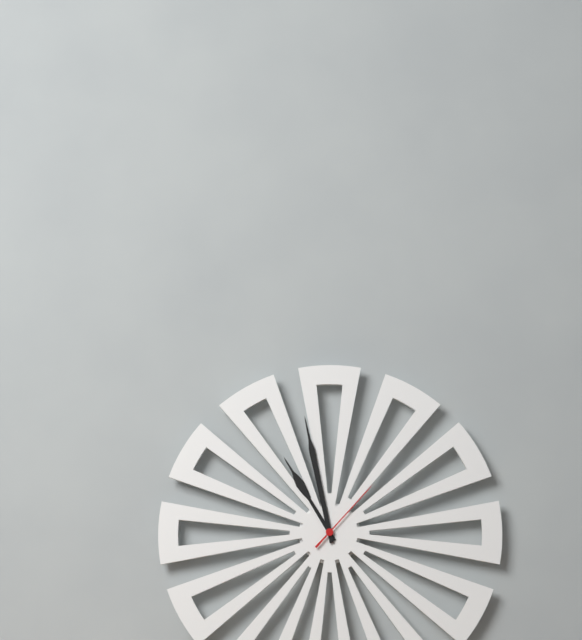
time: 10:58:07
